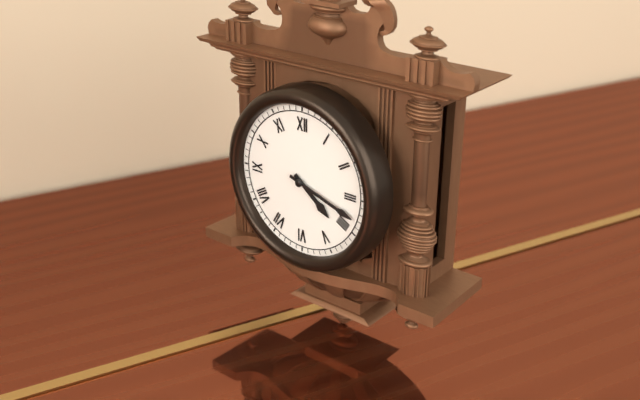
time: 4:18
